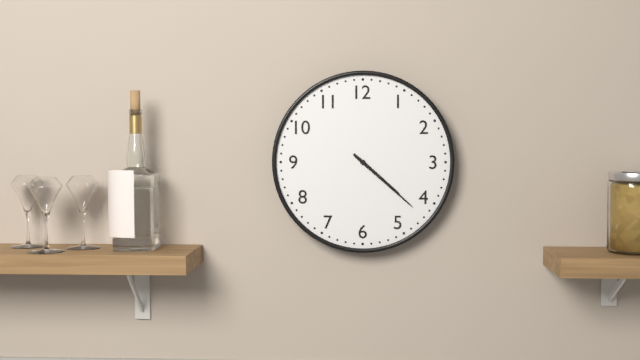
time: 4:22
